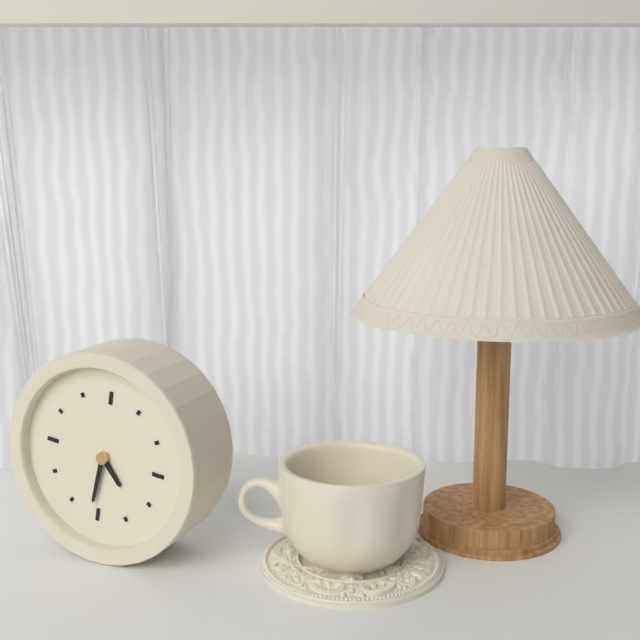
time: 4:31
